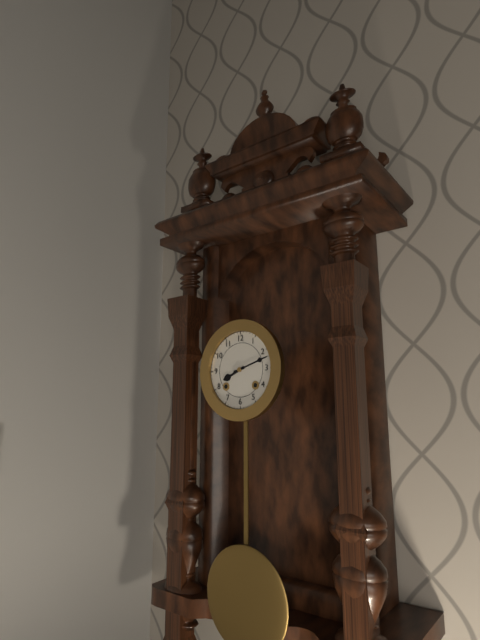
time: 8:12
